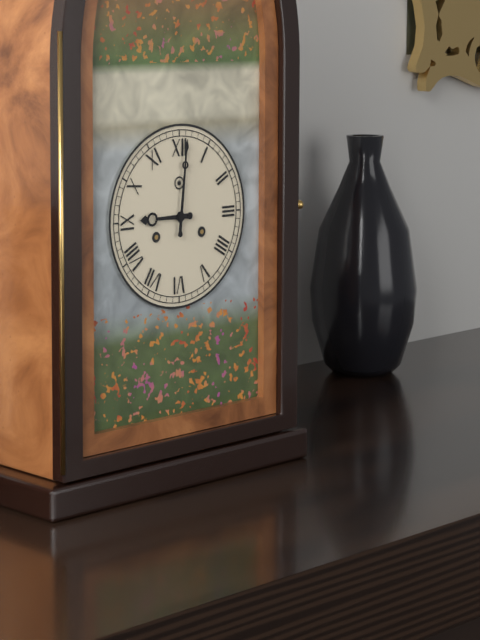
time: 9:01
